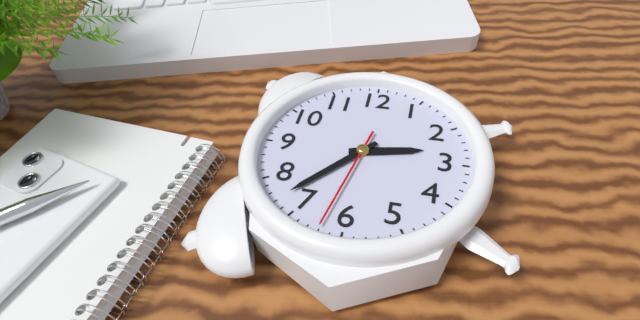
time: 2:37:32
